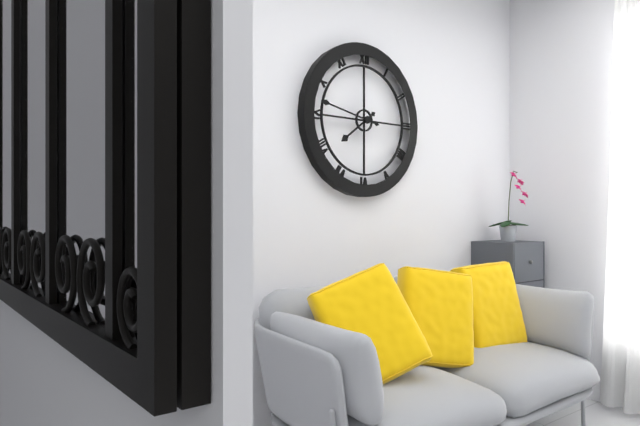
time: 7:47
